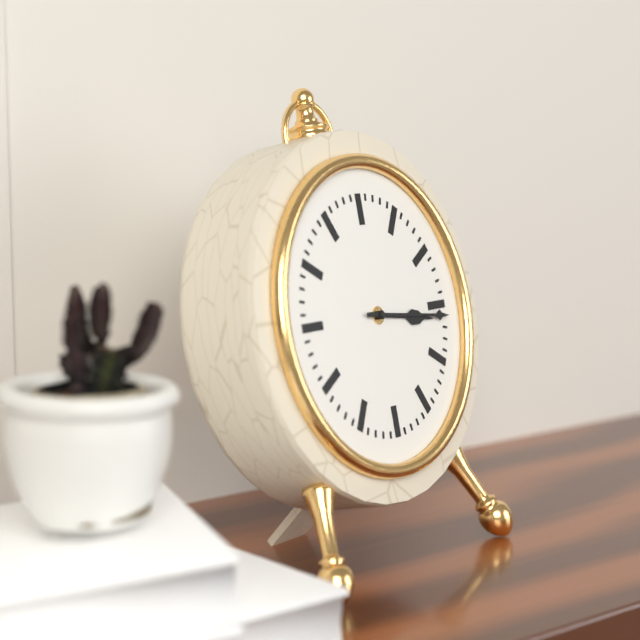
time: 3:16
